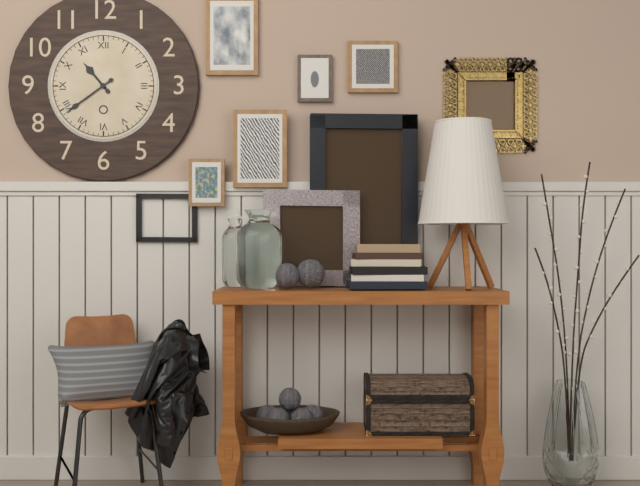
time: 10:39
